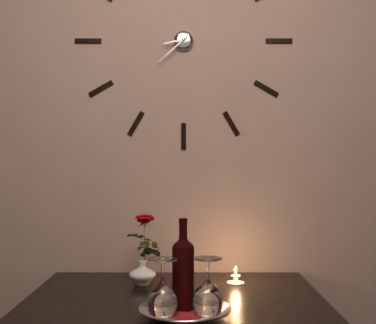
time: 8:38
